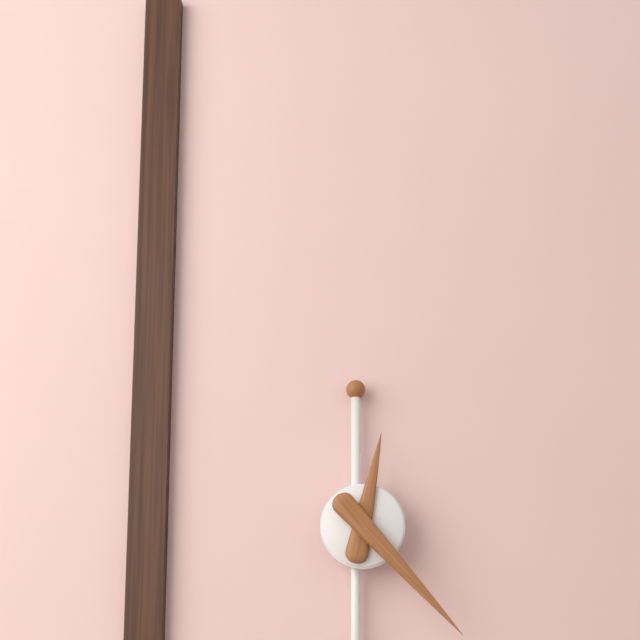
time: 12:23
